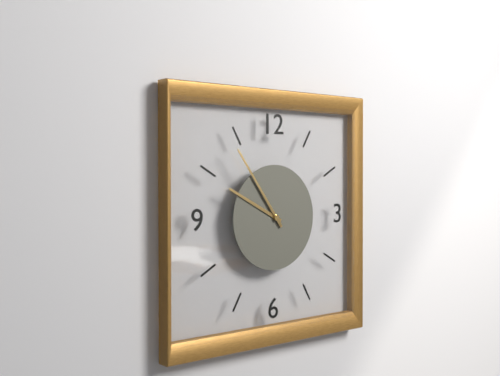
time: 9:54
